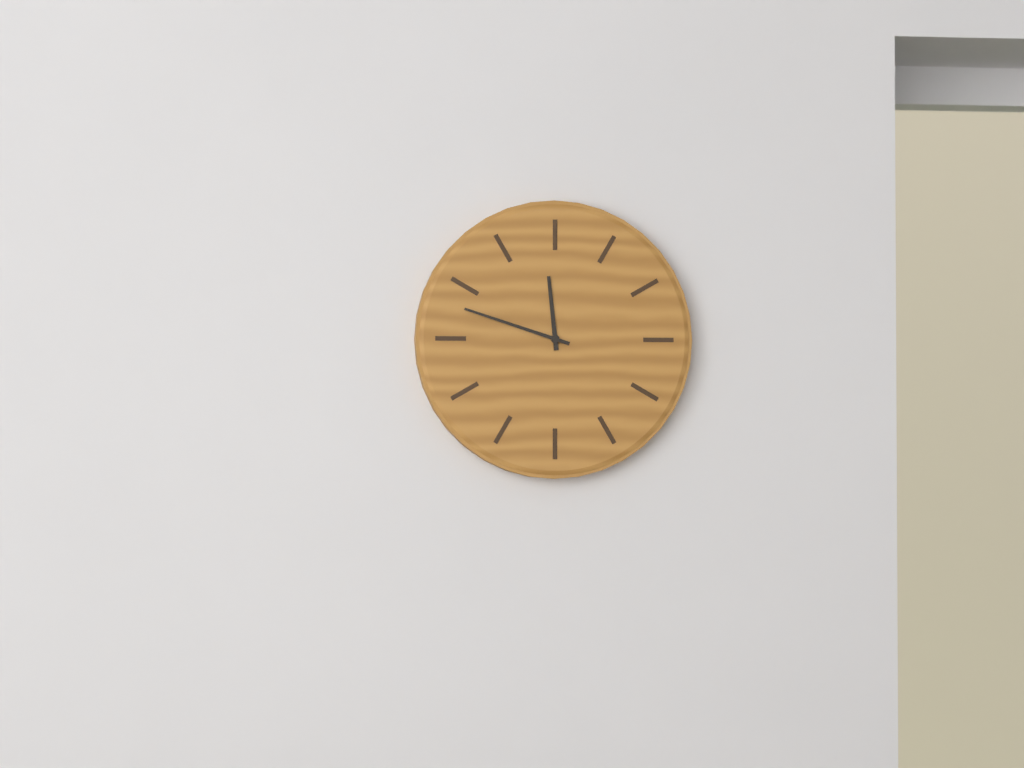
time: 11:48
